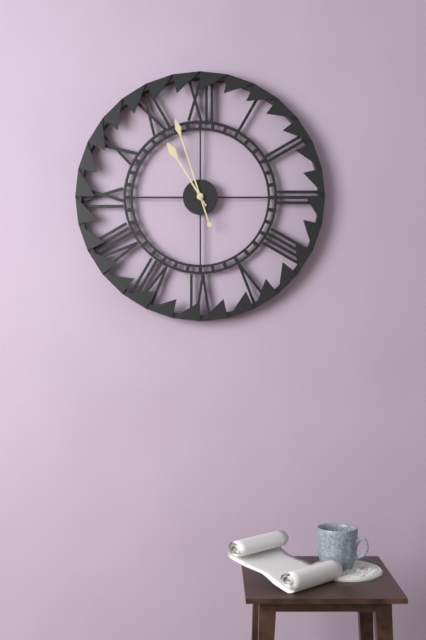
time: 10:57
